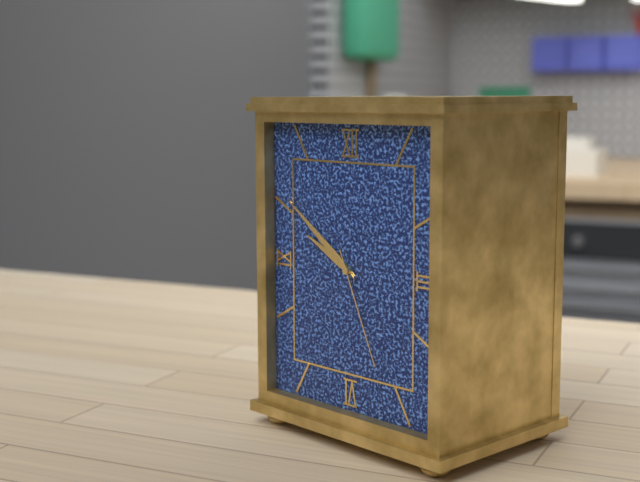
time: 9:51:26
